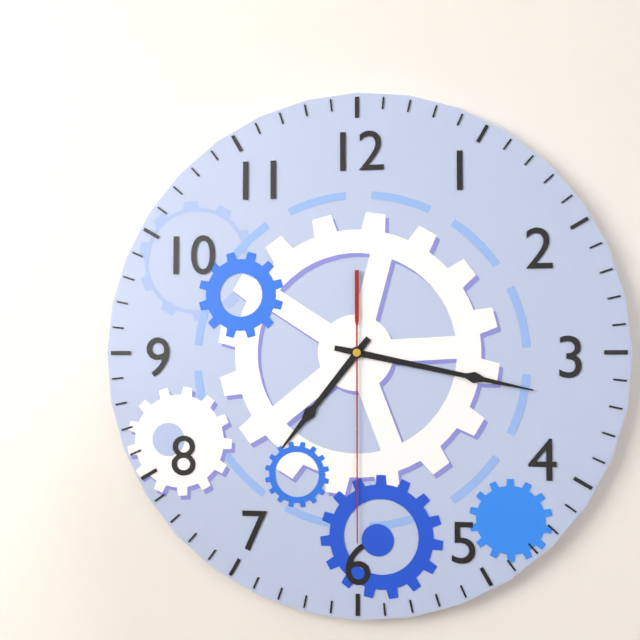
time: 7:17:30
